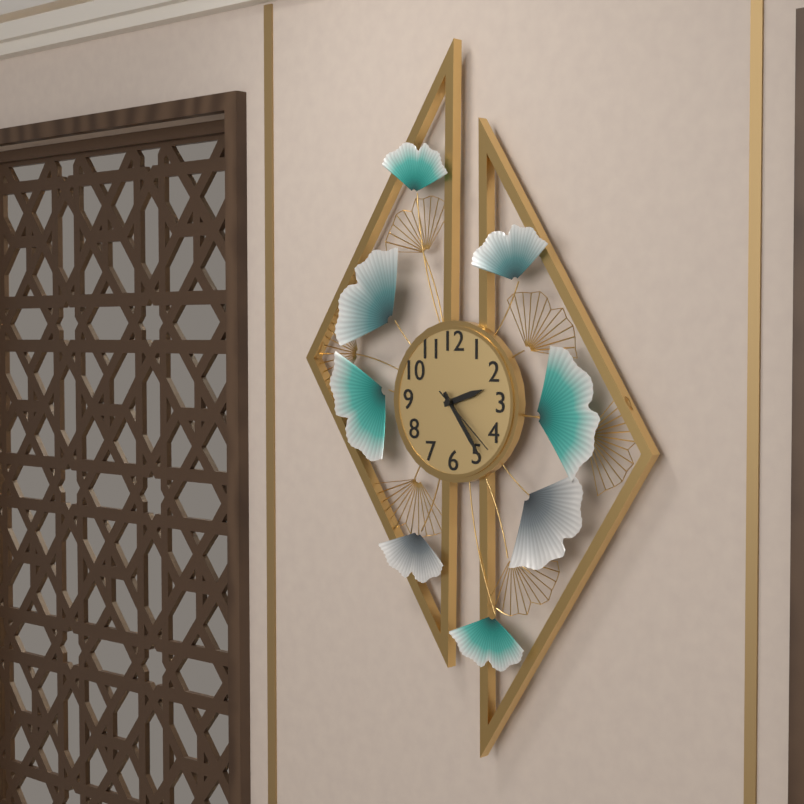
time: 2:24:22
